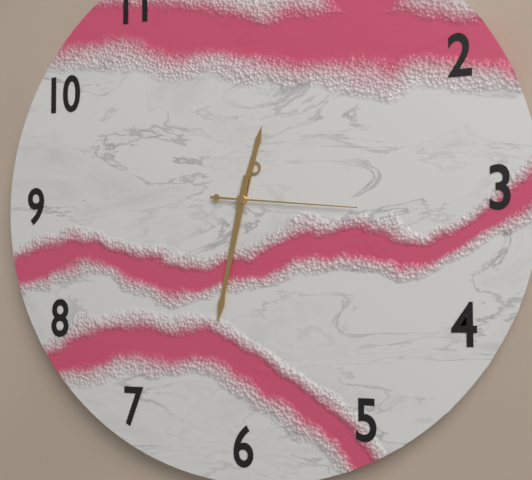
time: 12:32:16
